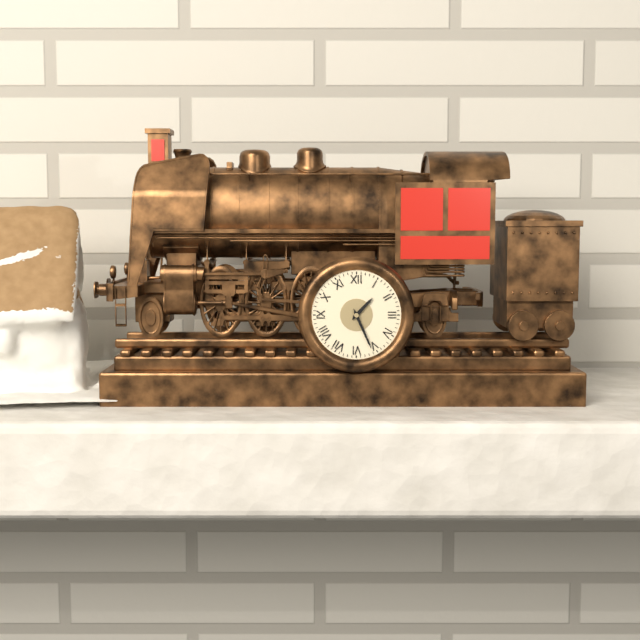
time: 1:26
